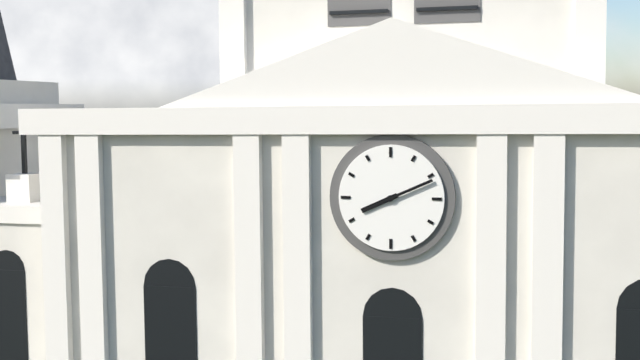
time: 8:11
